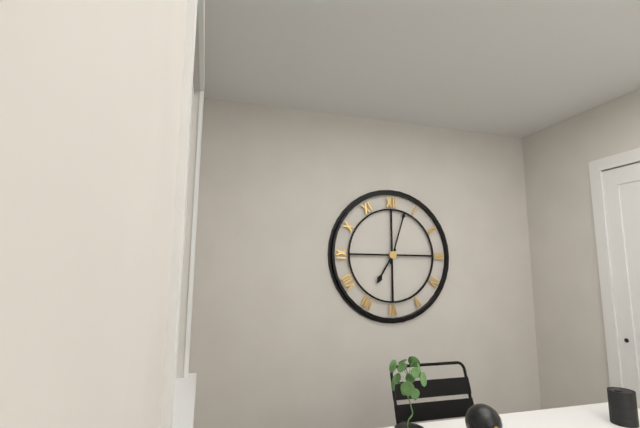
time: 7:03
